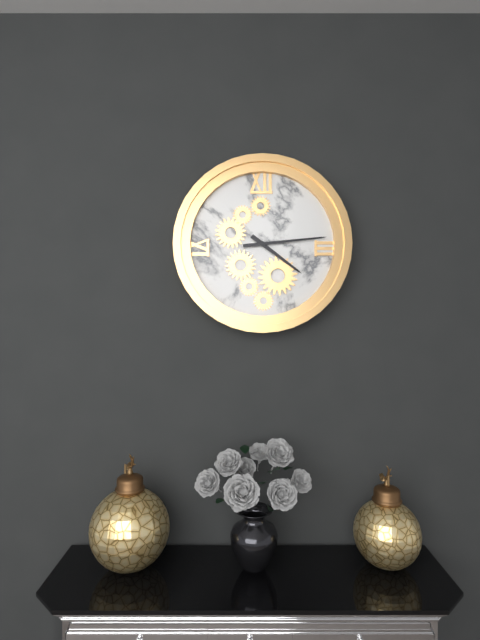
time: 4:14
